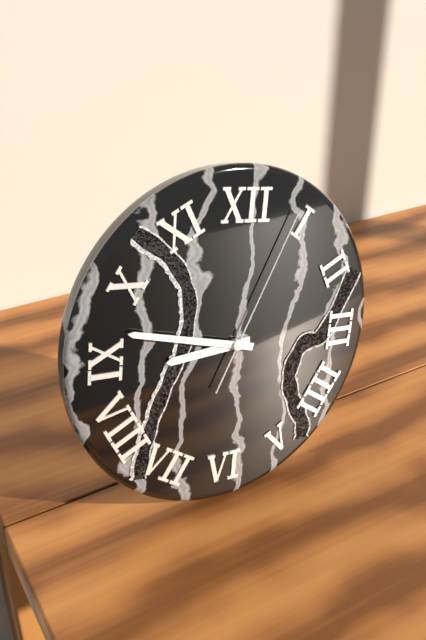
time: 8:47:04
